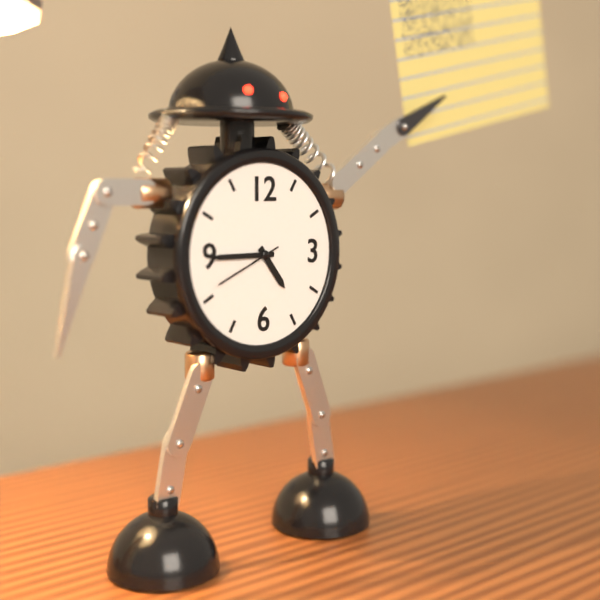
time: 4:45:41
